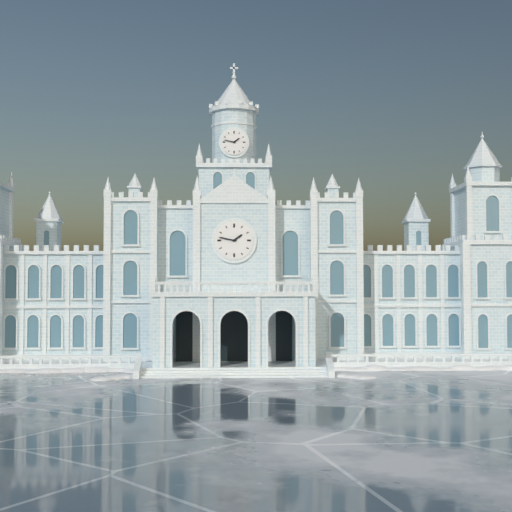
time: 1:47
